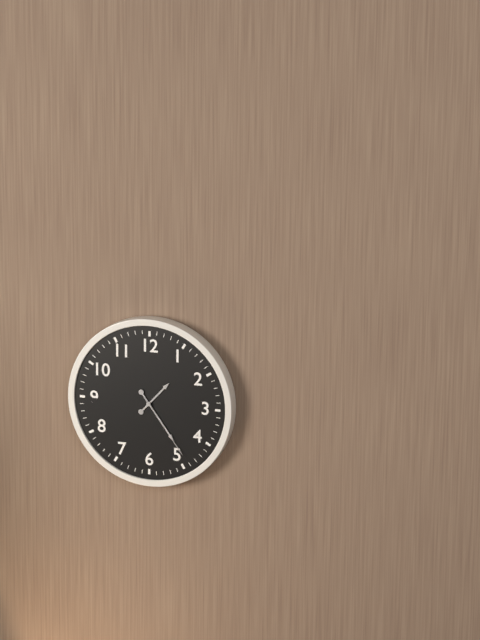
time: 1:24:24
